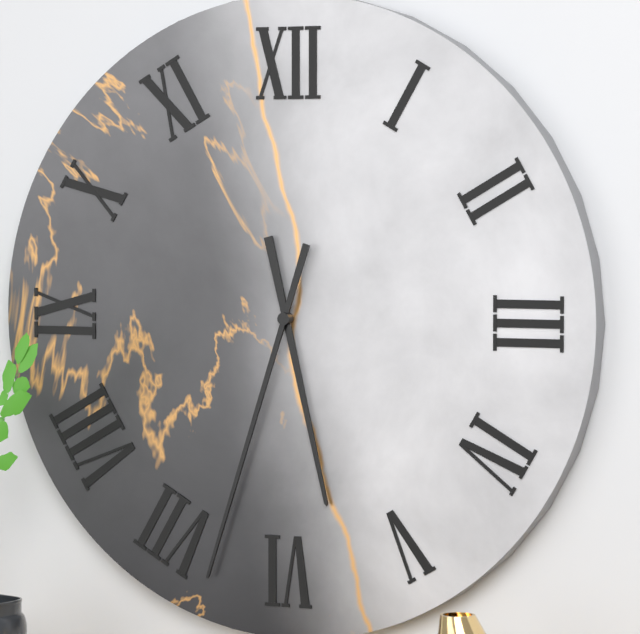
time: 5:33
